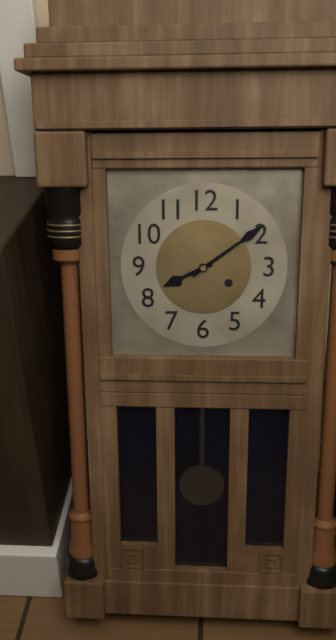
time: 8:09
